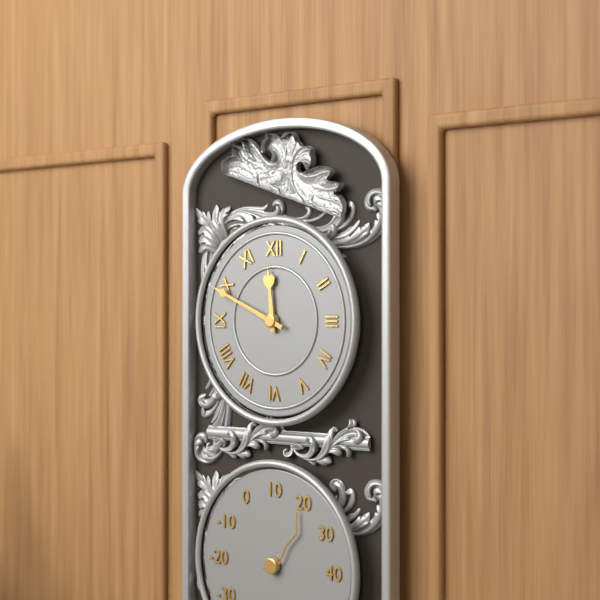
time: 11:49
